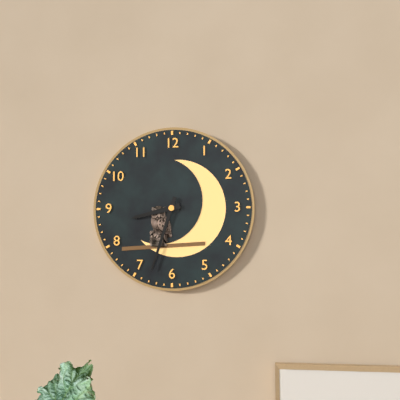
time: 8:33
